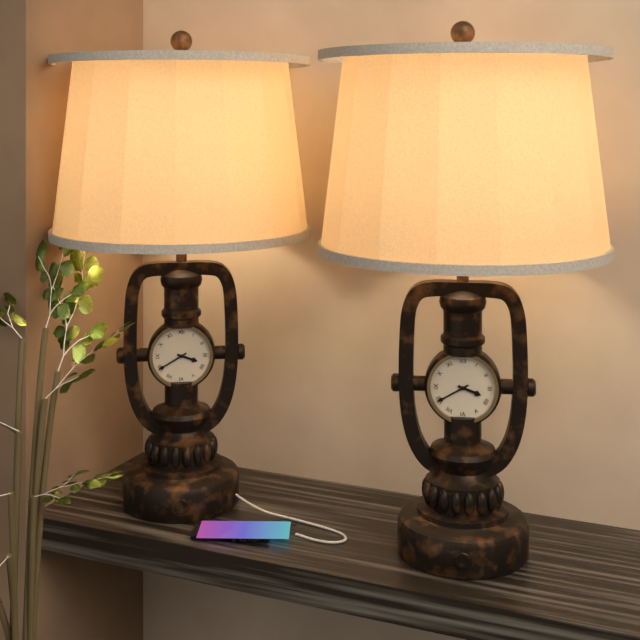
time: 3:40
